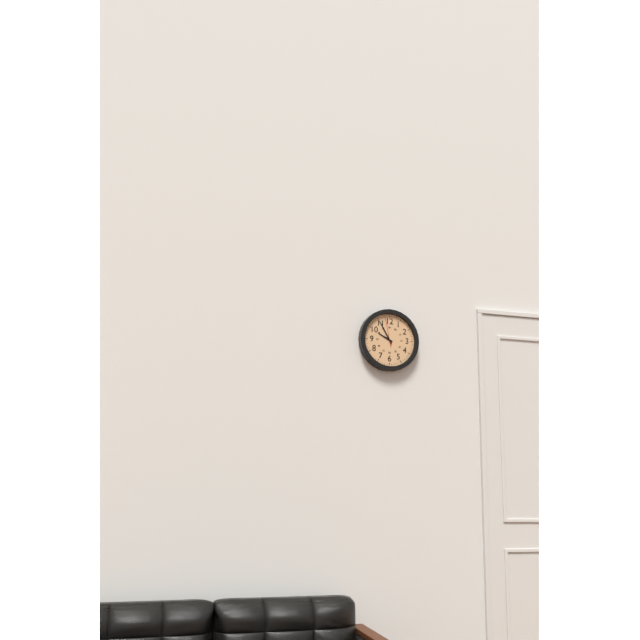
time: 9:55
